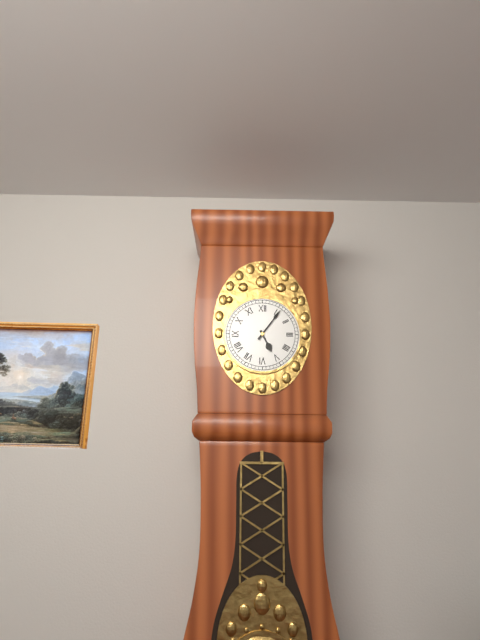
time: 5:06
